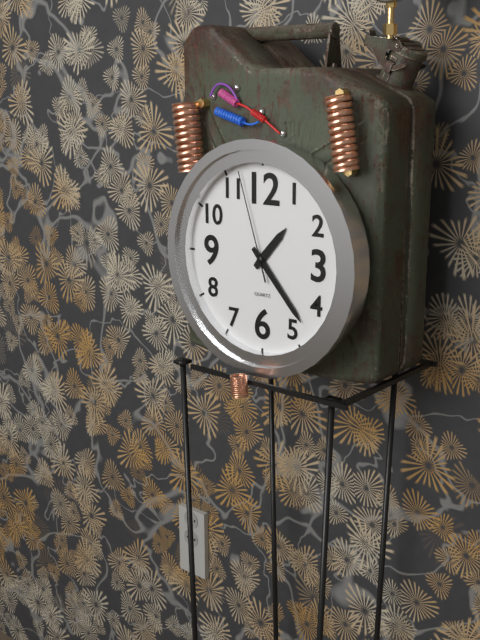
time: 1:23:57
